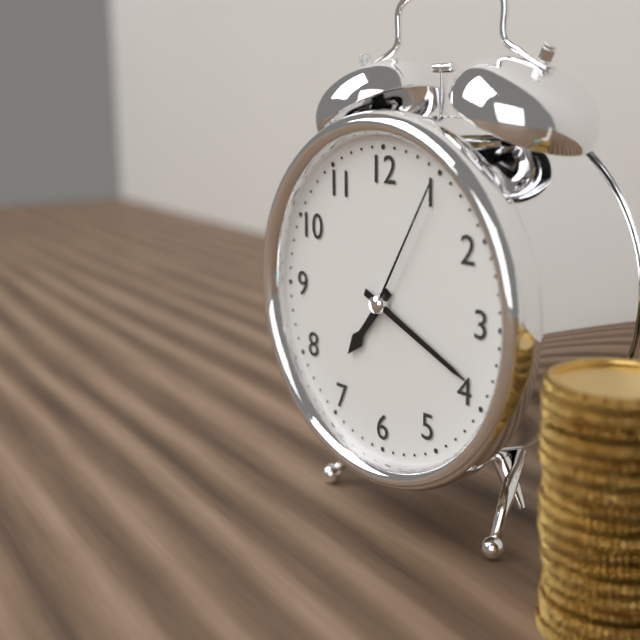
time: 7:19:05
